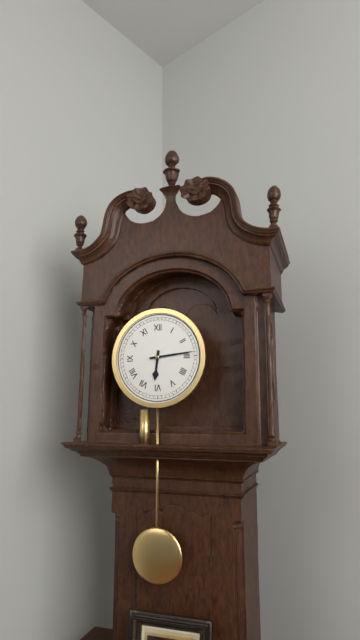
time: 6:14
